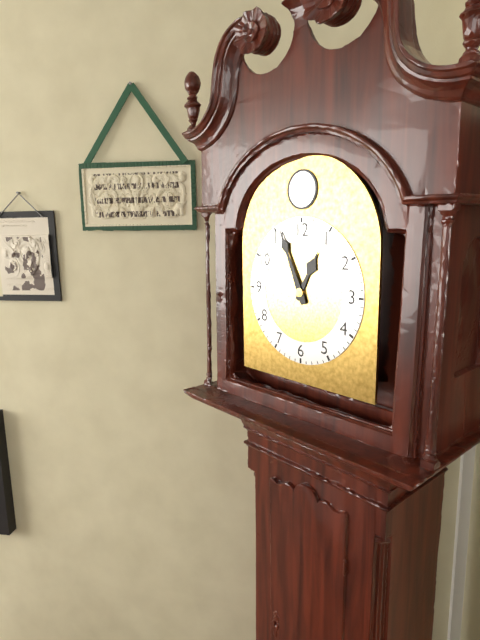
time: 12:56
